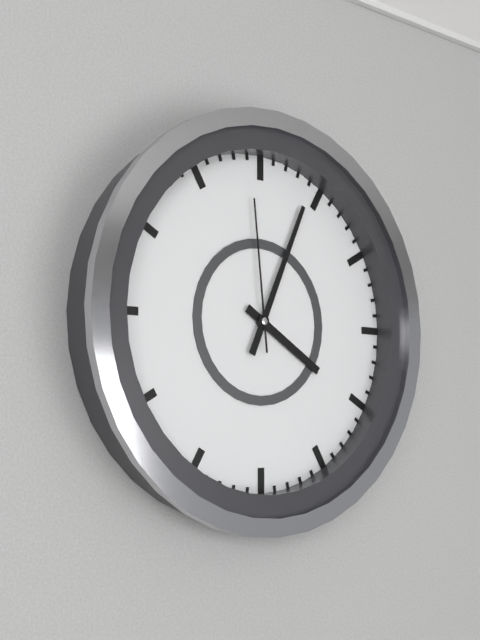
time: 4:04:59
